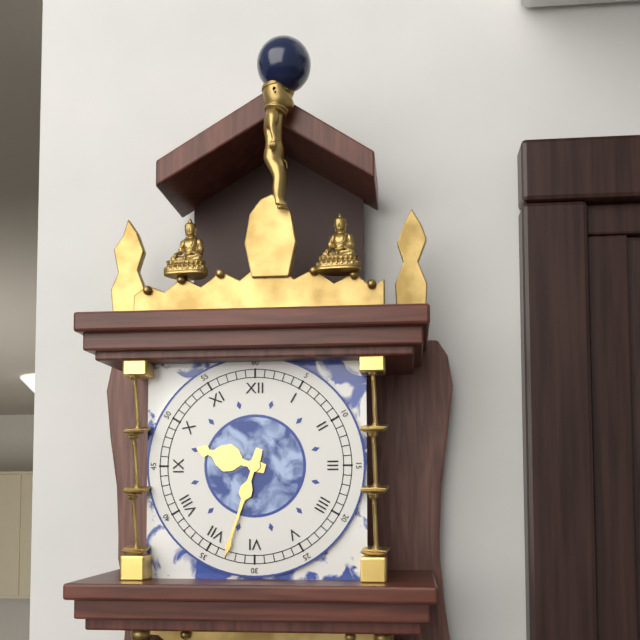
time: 9:33
